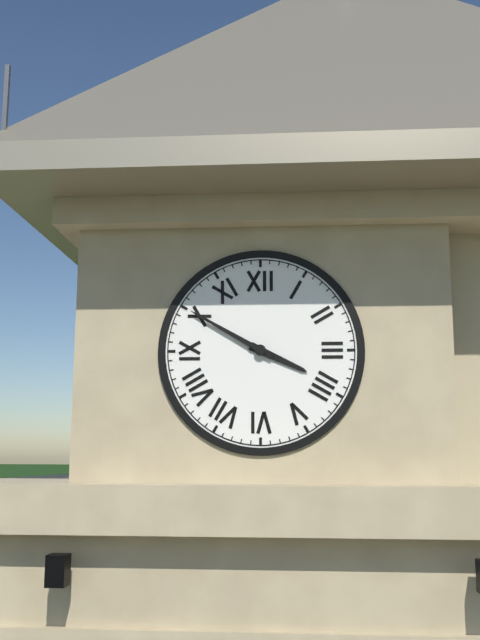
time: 3:50
